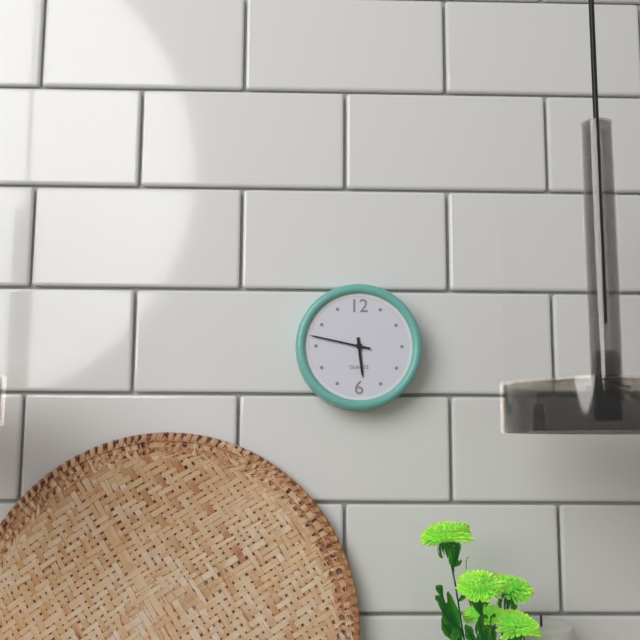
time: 5:47
